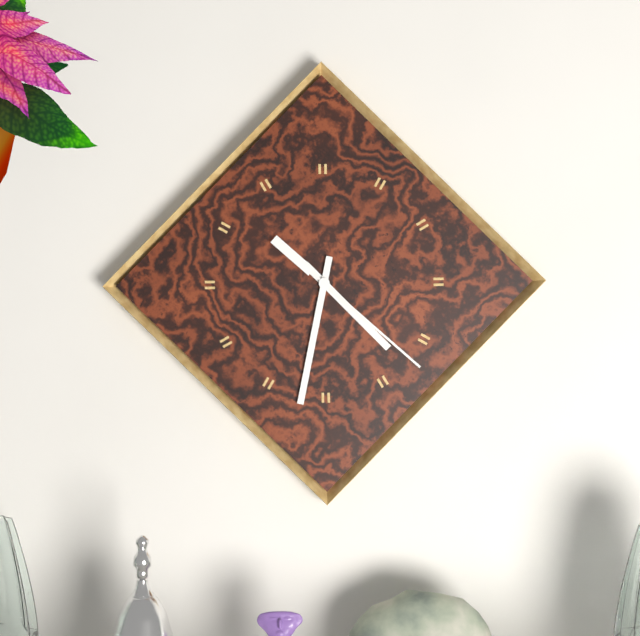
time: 4:32:22
